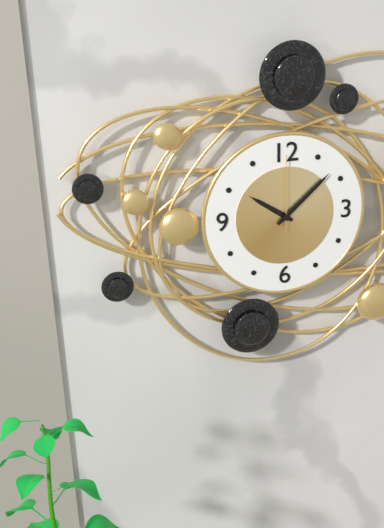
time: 10:08:00
